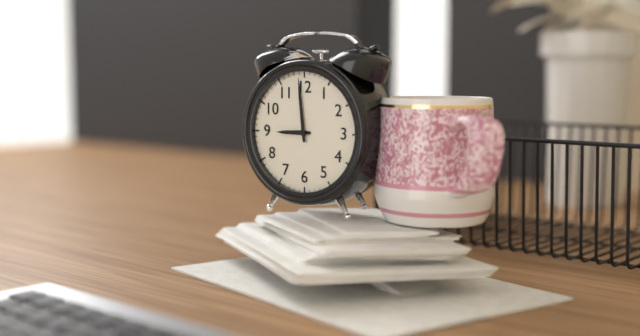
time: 8:59
